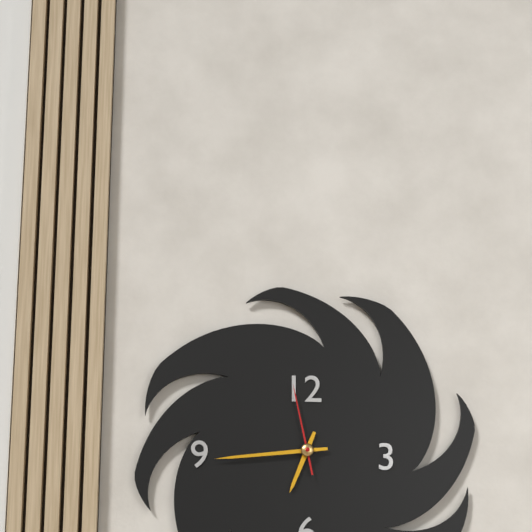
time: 6:44:58
